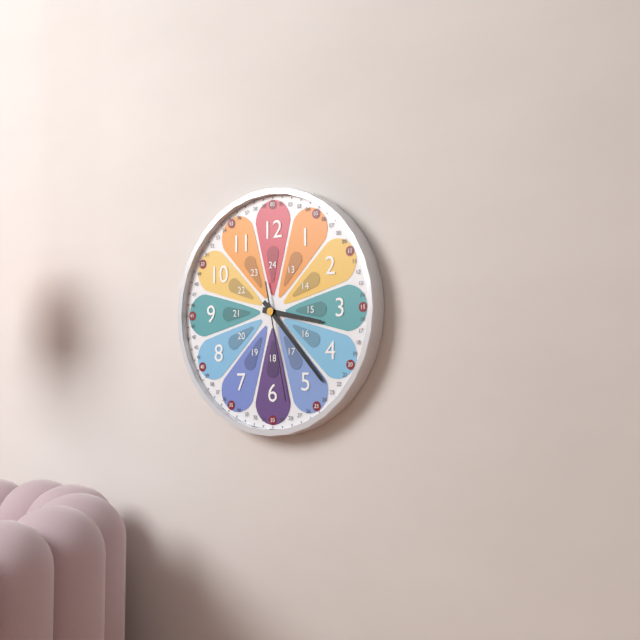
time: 3:23:28
